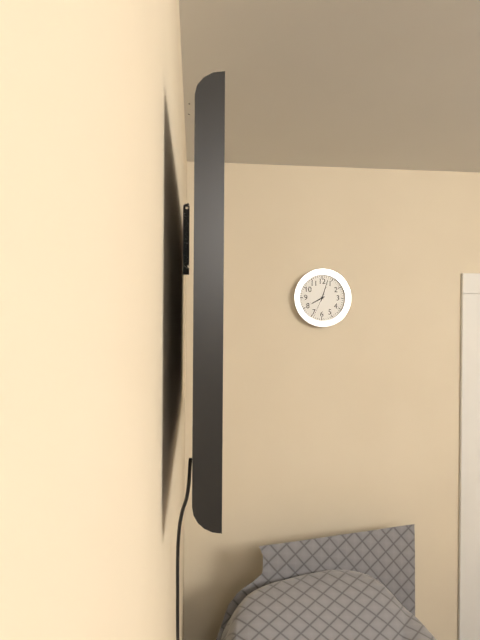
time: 8:03
